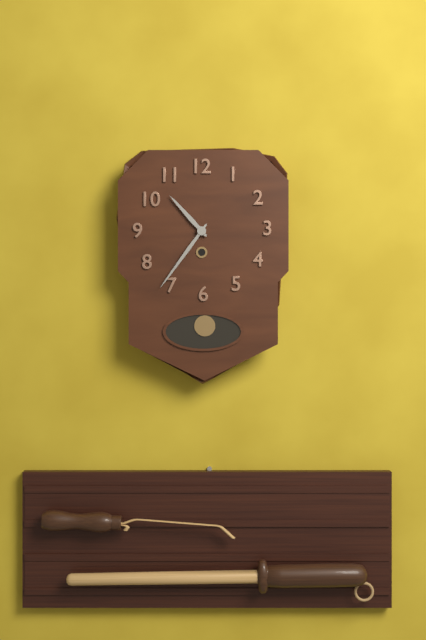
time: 10:36
